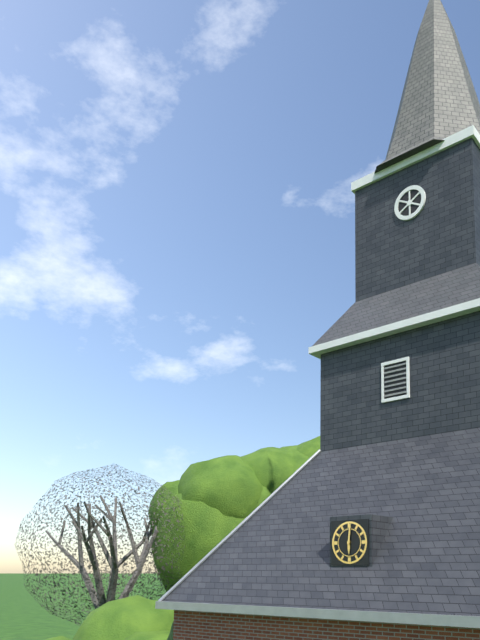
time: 6:01
